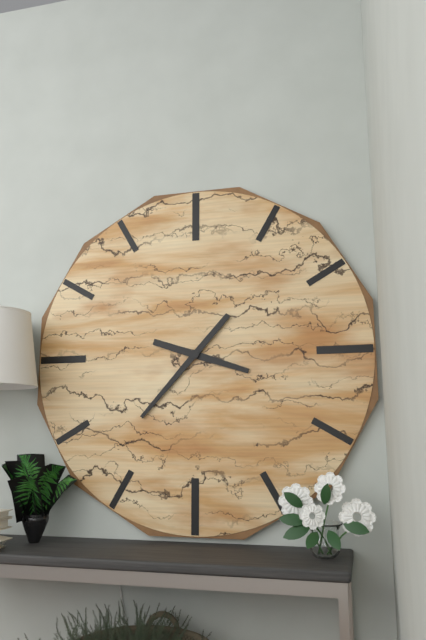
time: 3:37
